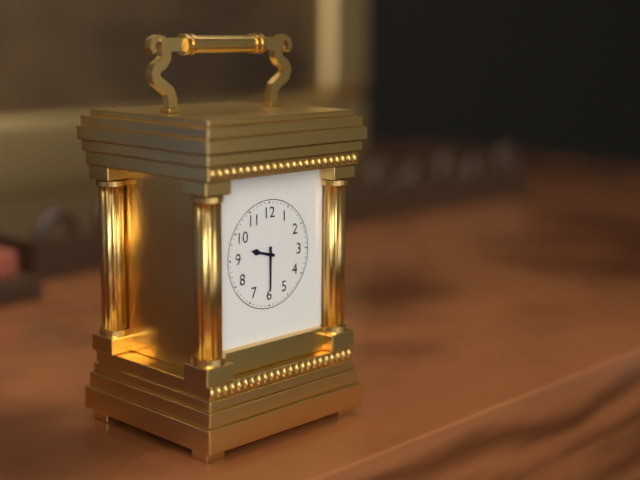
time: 9:30
